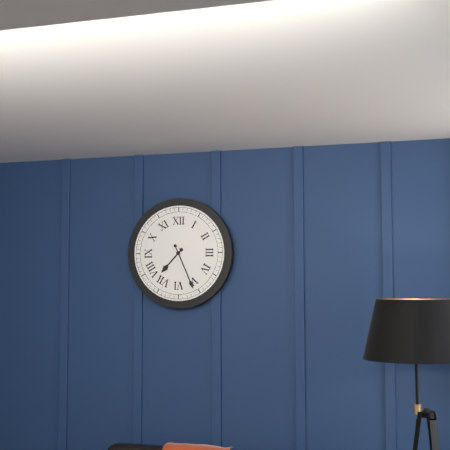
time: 7:26
